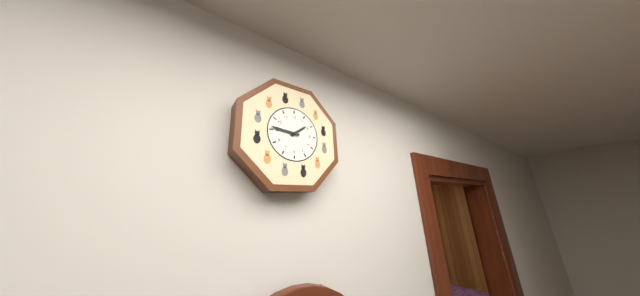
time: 1:46
